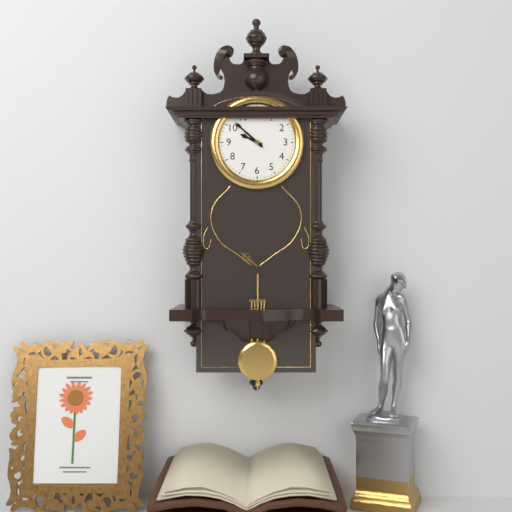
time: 9:52
